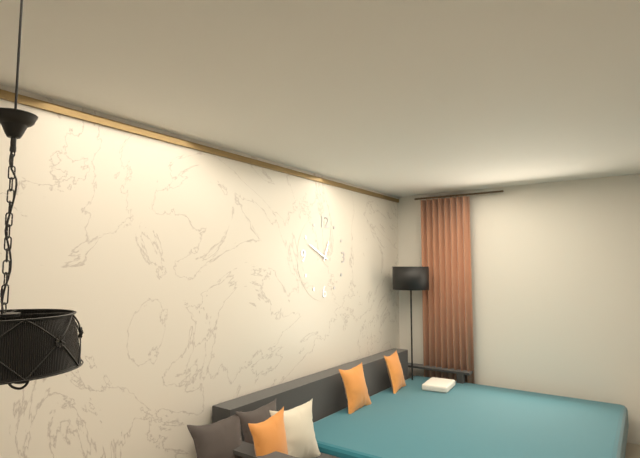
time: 12:49
